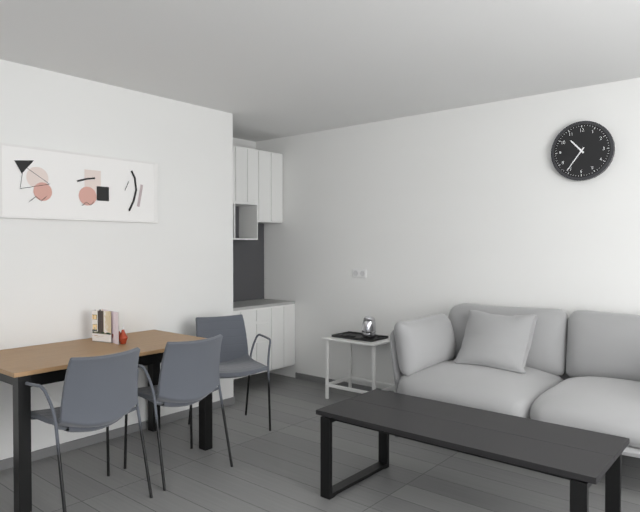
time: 10:36
